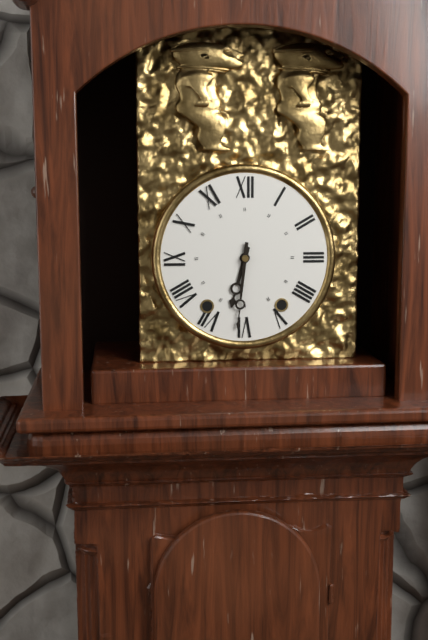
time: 6:31
